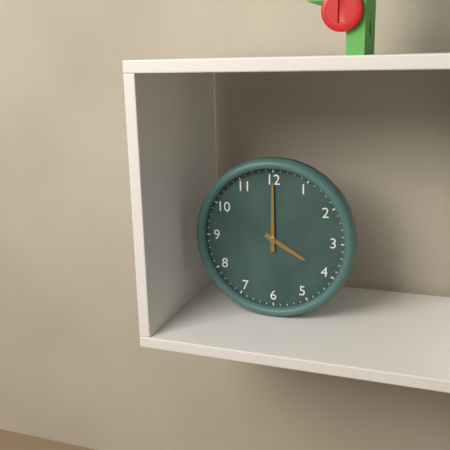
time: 4:00
